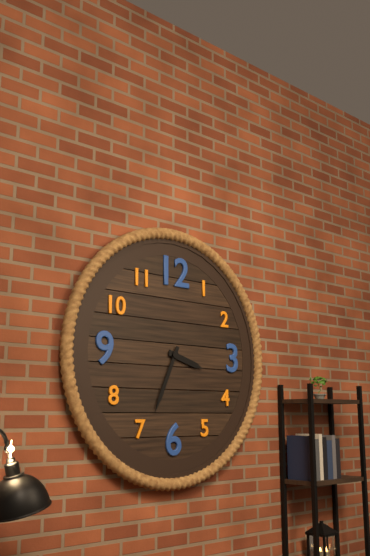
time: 3:34
